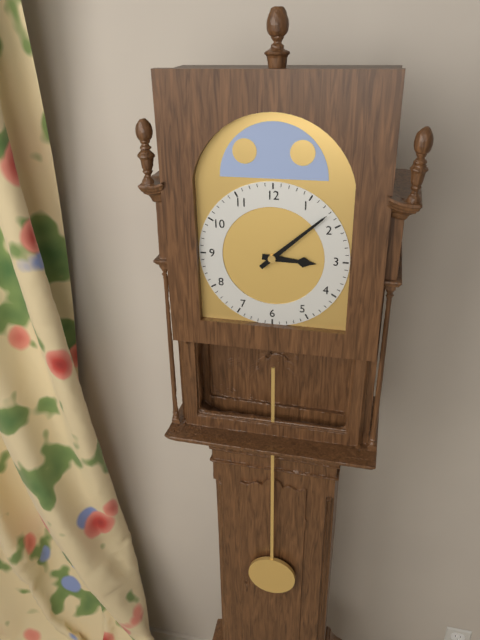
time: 3:08
